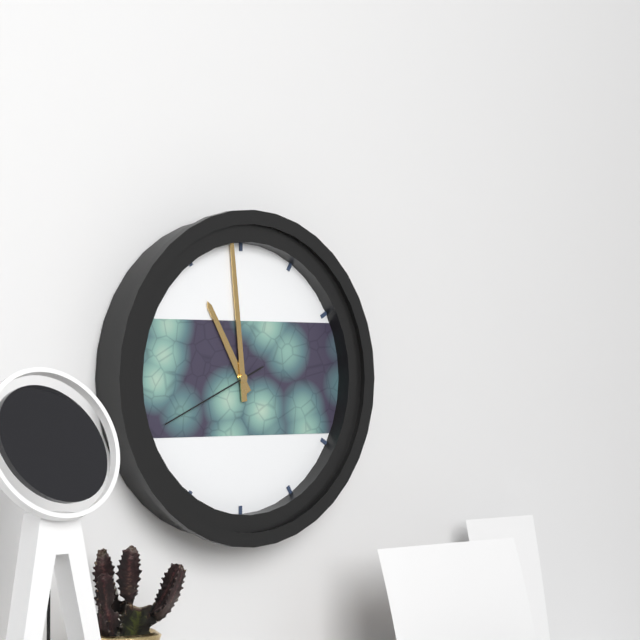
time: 10:59:41
